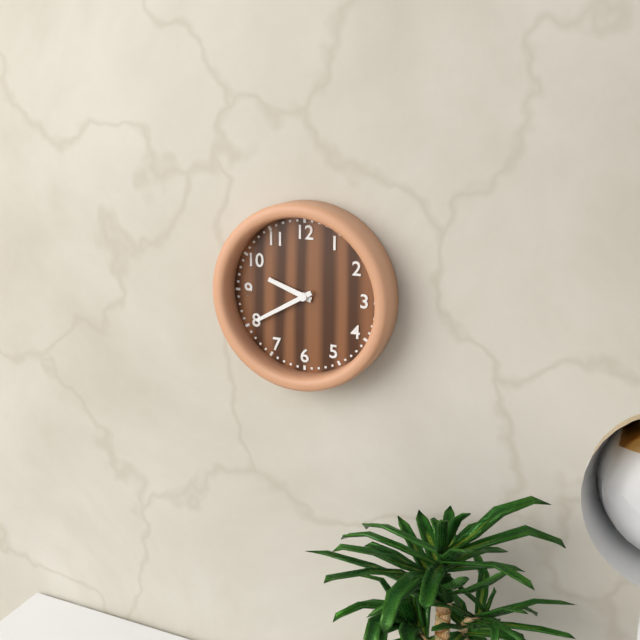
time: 9:40
